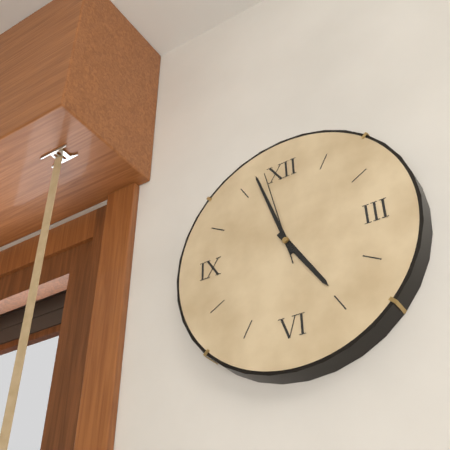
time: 4:57:58
